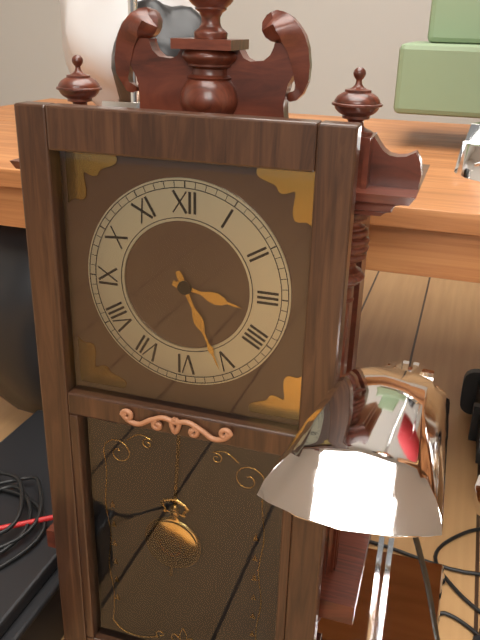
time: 3:26
